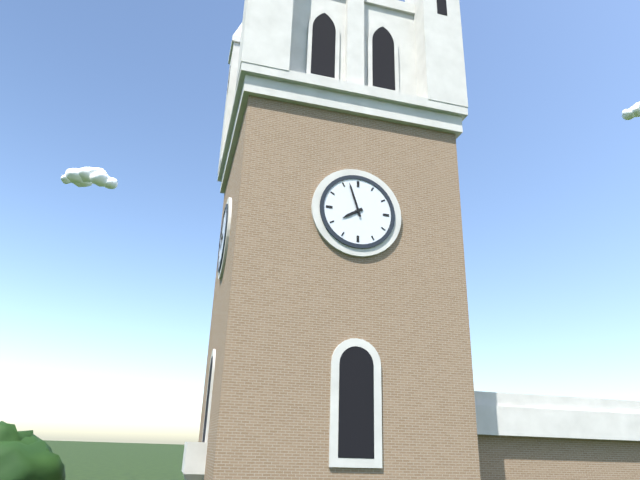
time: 7:57
